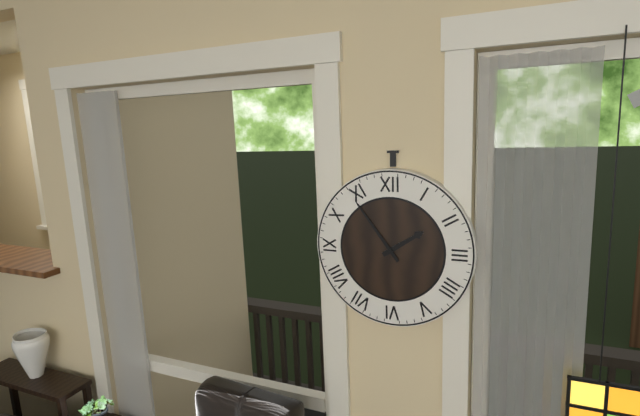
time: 1:54
